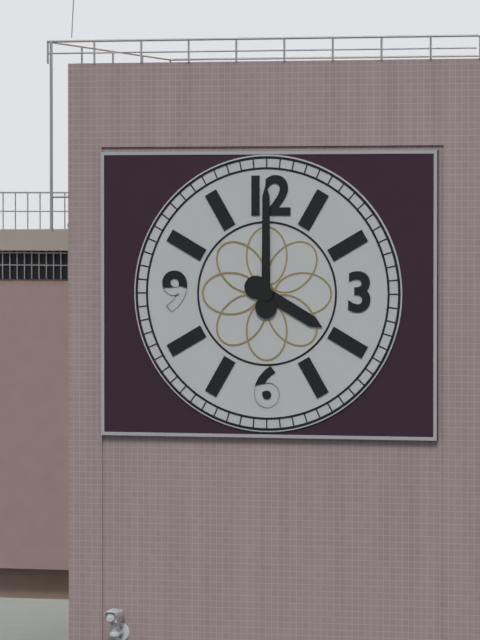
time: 4:00
